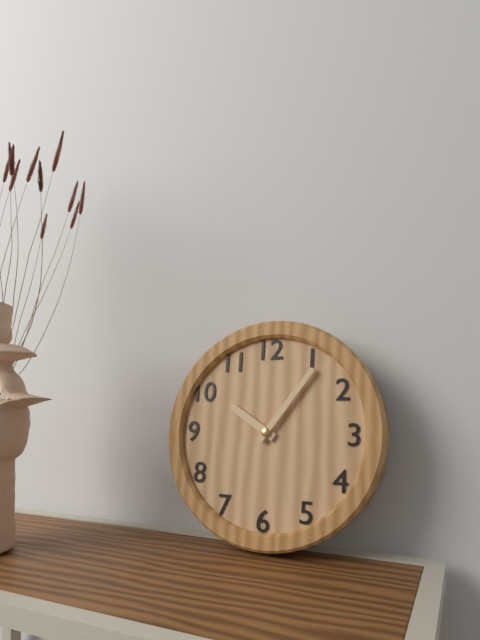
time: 10:06
